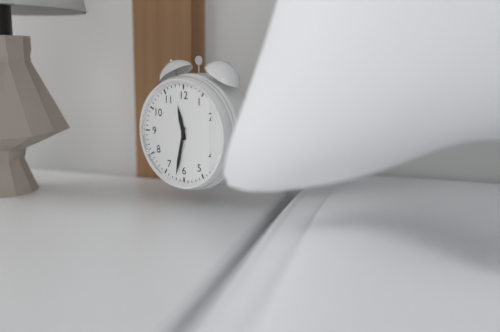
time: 11:32
